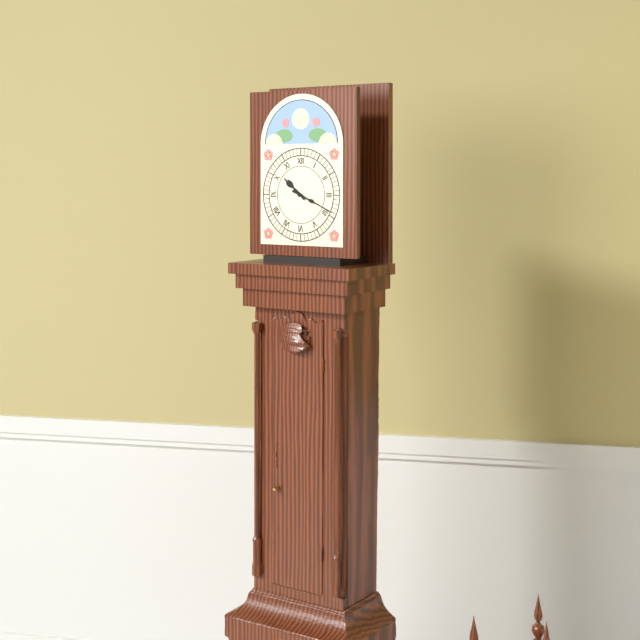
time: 10:19
